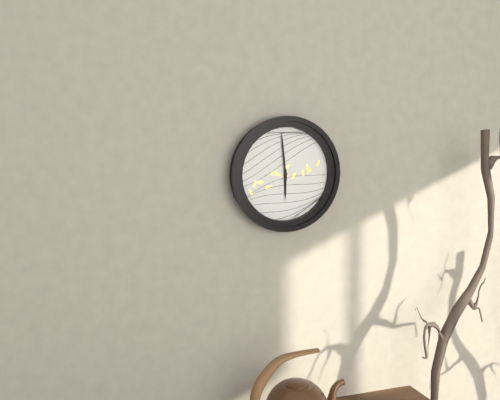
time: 5:59
